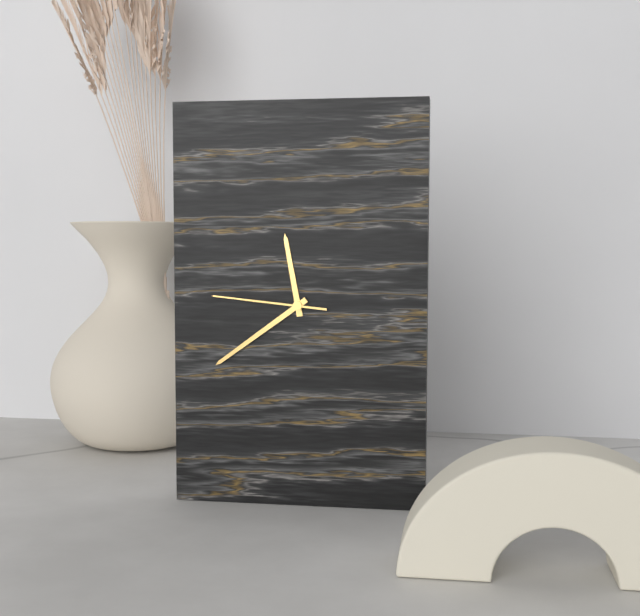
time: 11:39:46
